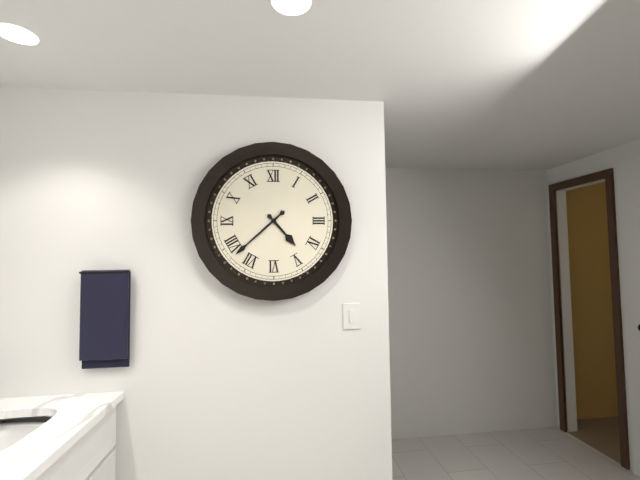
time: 4:38
